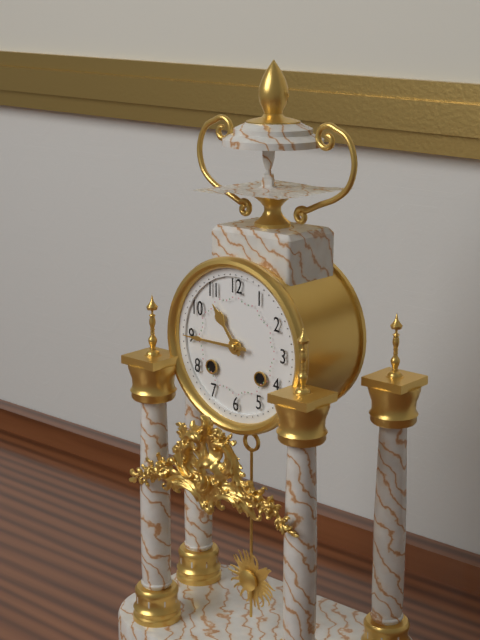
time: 10:45
